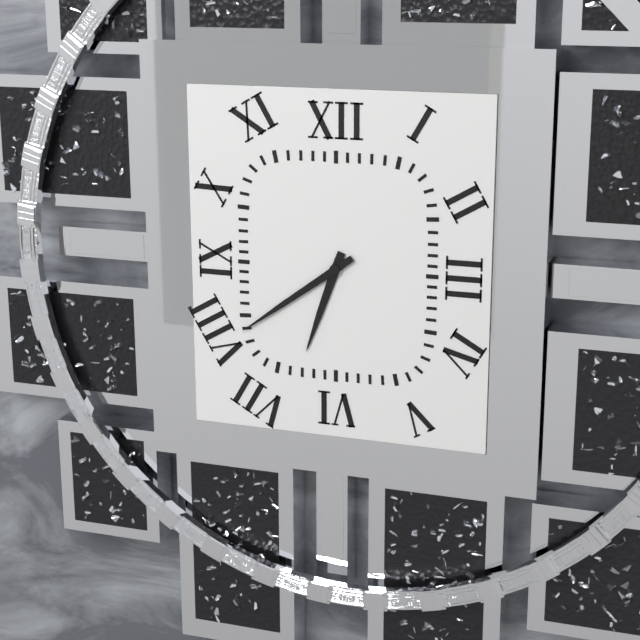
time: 6:39
